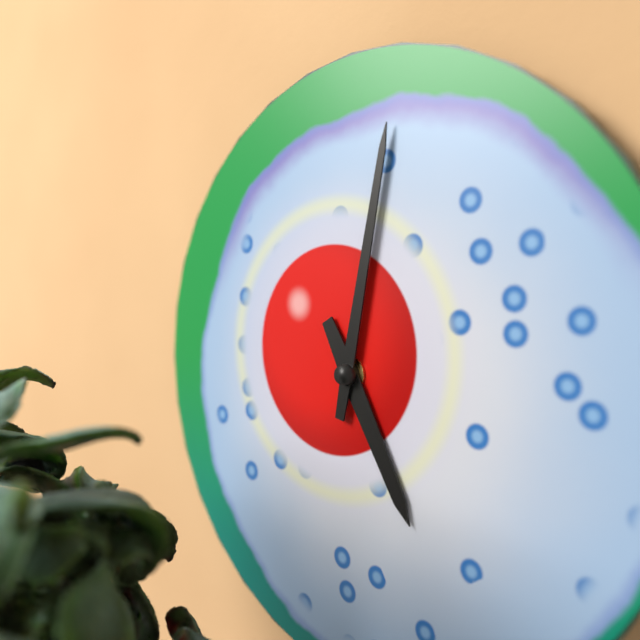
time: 5:02
